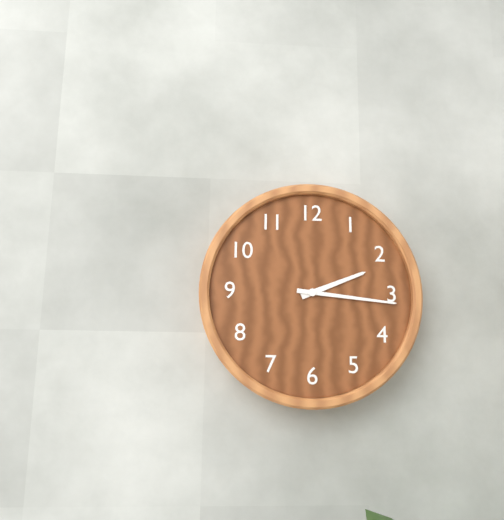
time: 2:16
